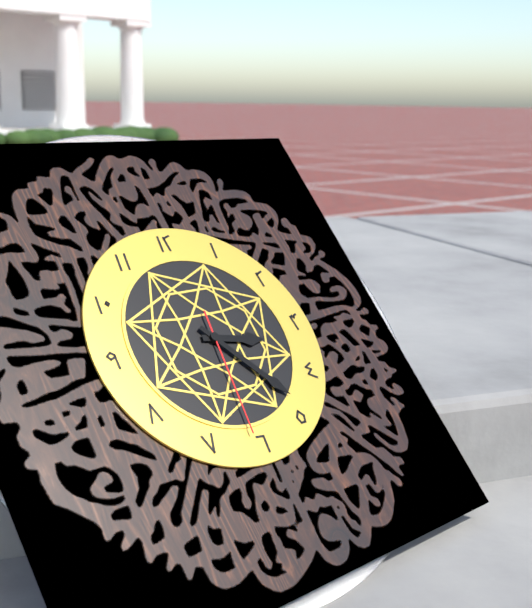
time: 3:24:31
